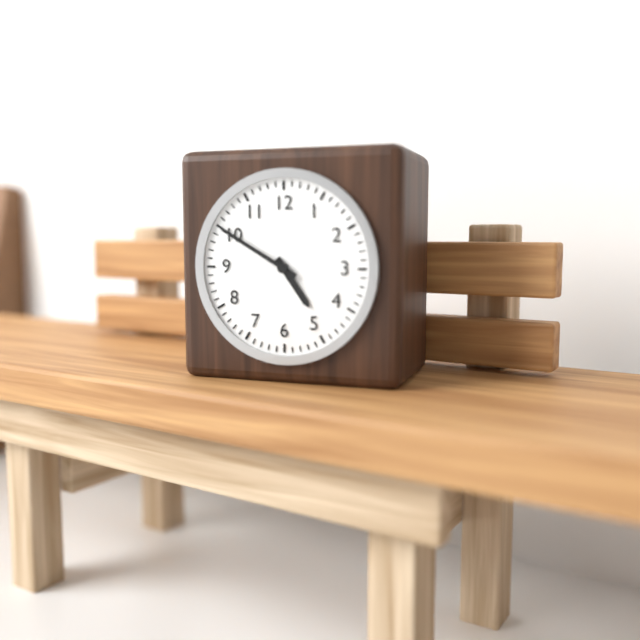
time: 4:50
